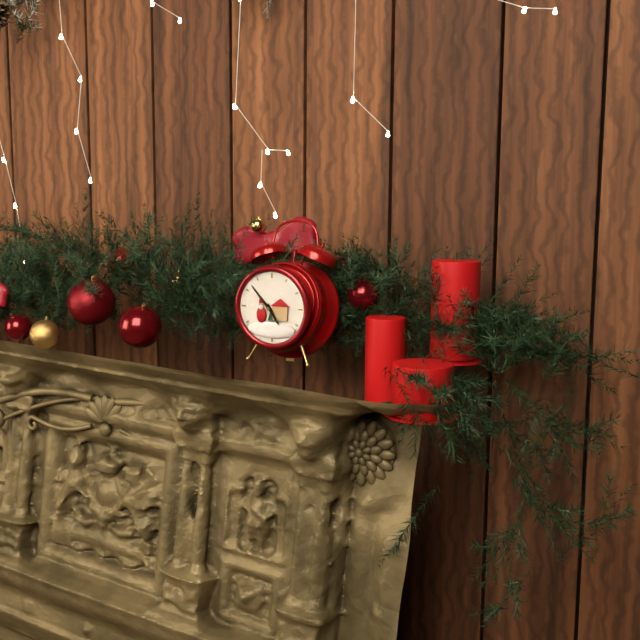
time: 4:53
